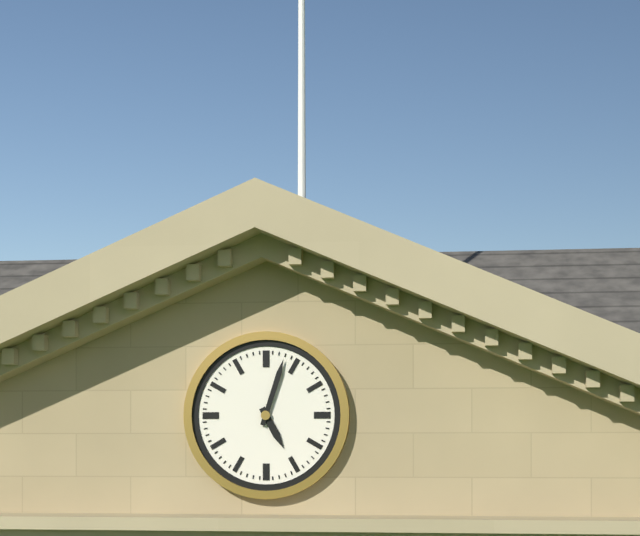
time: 5:03
